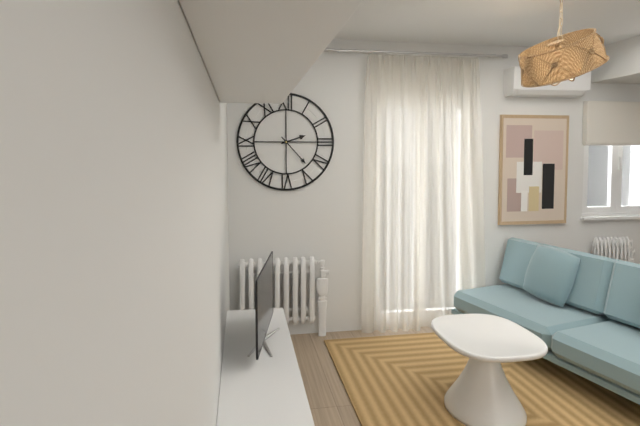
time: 2:23
